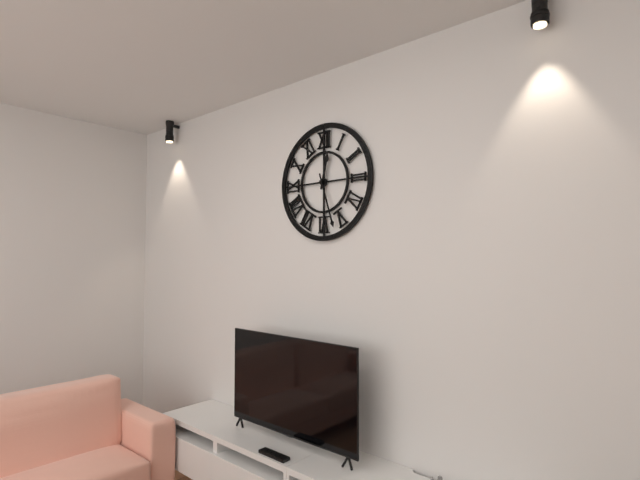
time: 12:27
